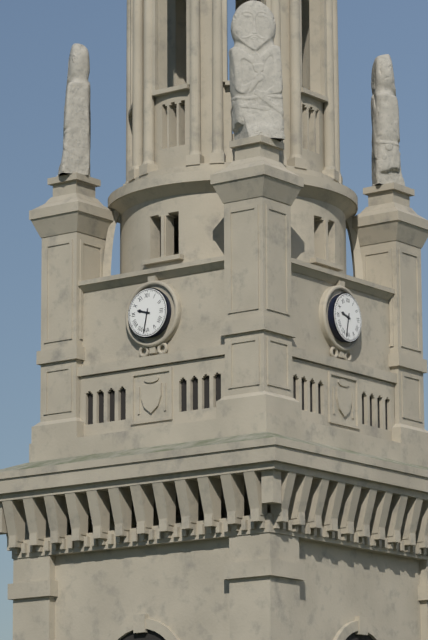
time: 9:32
